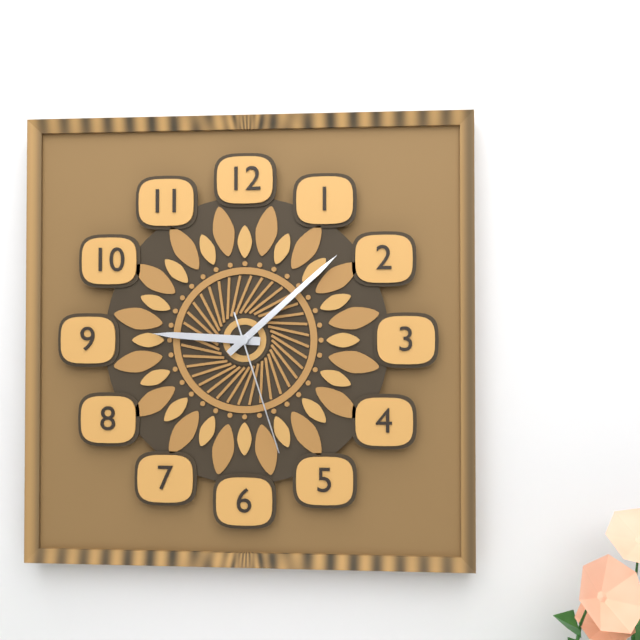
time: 9:08:27
